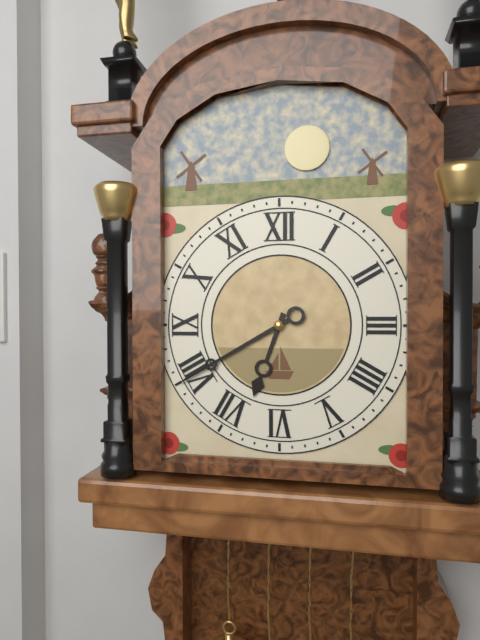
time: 6:40
